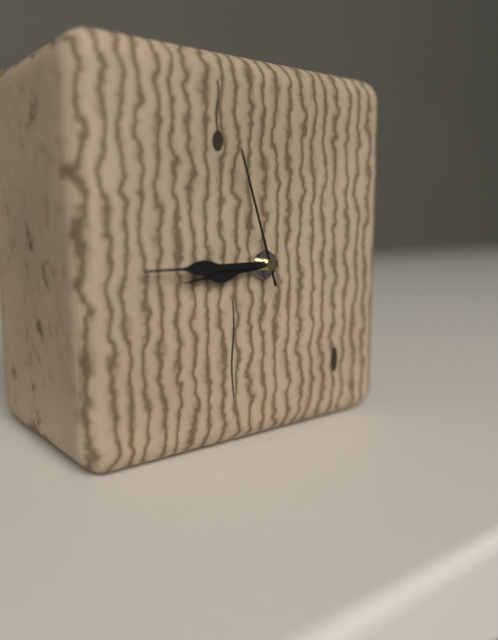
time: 8:45:57
